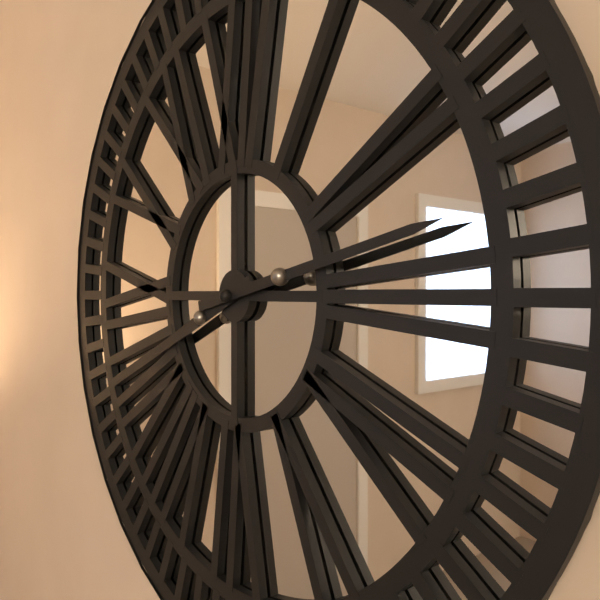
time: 8:13
